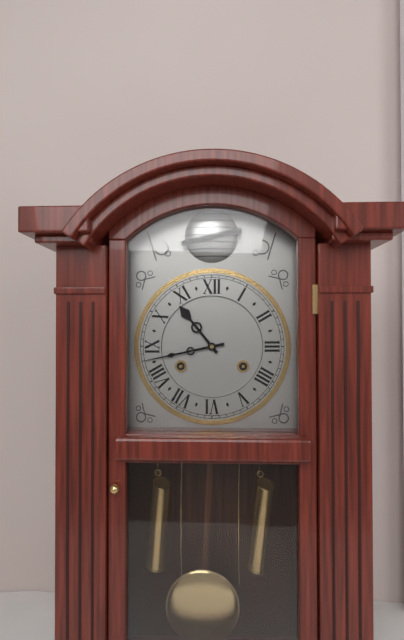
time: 10:43
